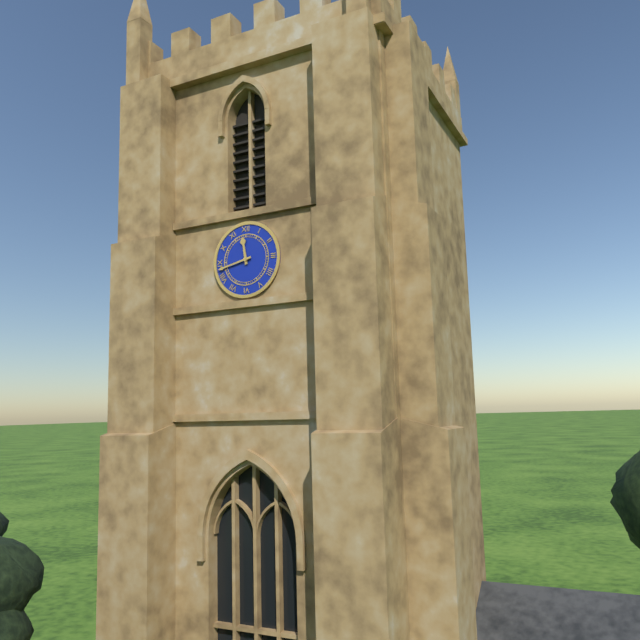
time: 11:43
